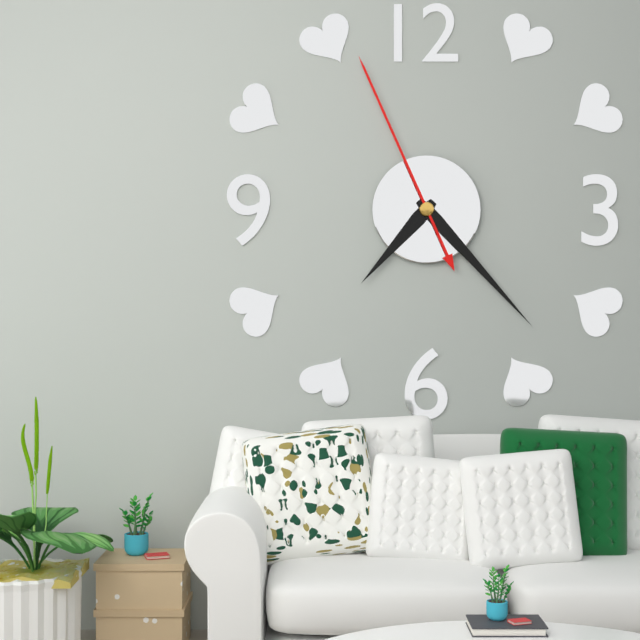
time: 7:23:56
